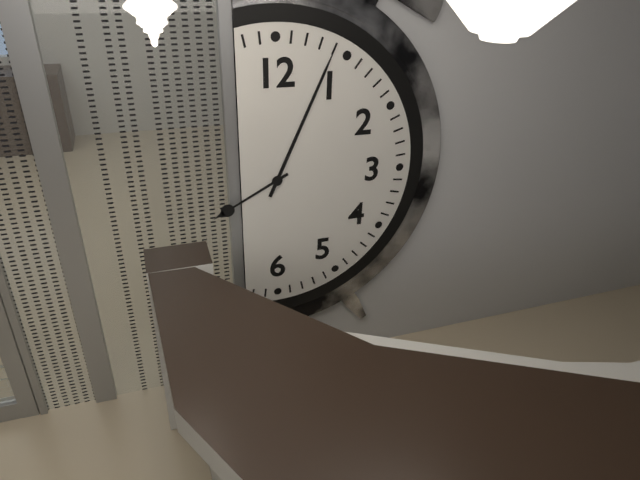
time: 8:04
